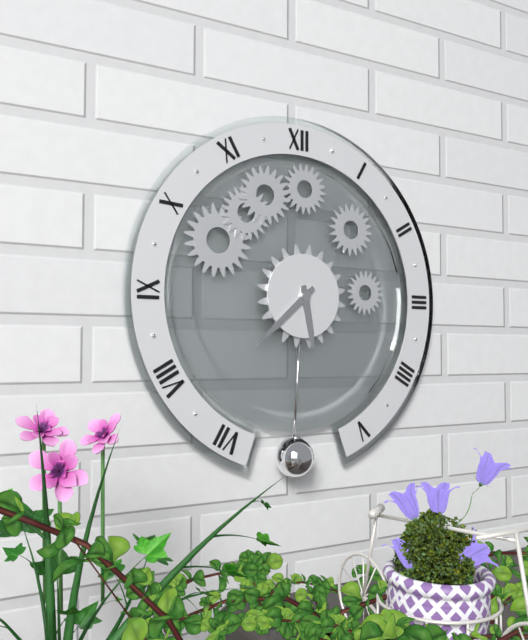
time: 5:38
